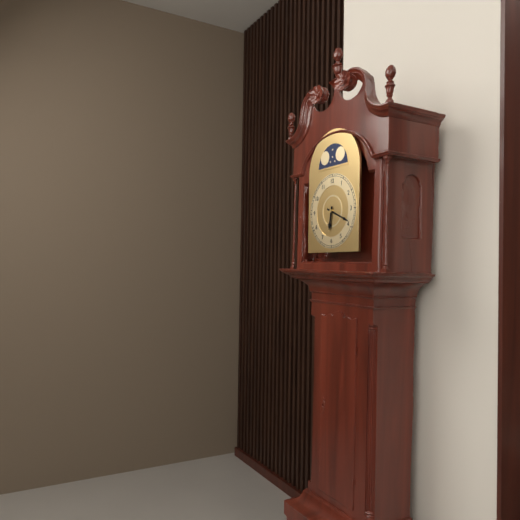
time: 6:19
